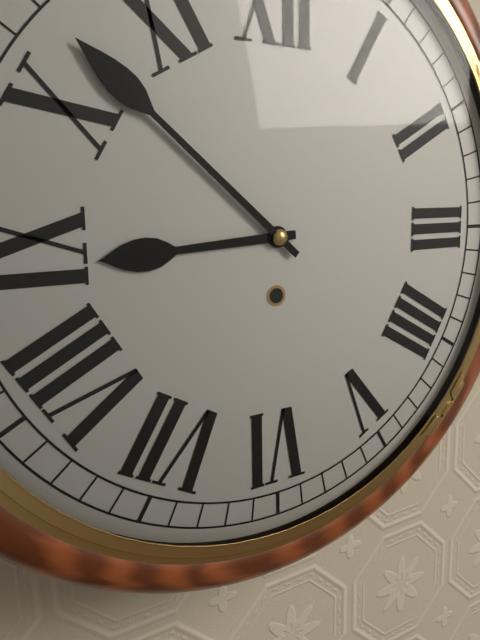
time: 8:52
